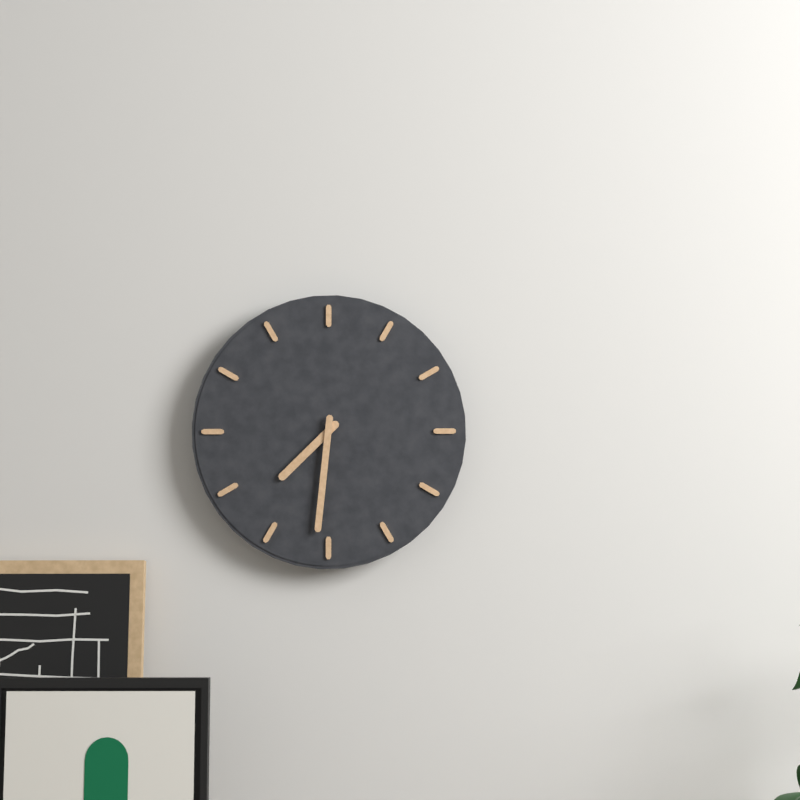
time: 7:31
